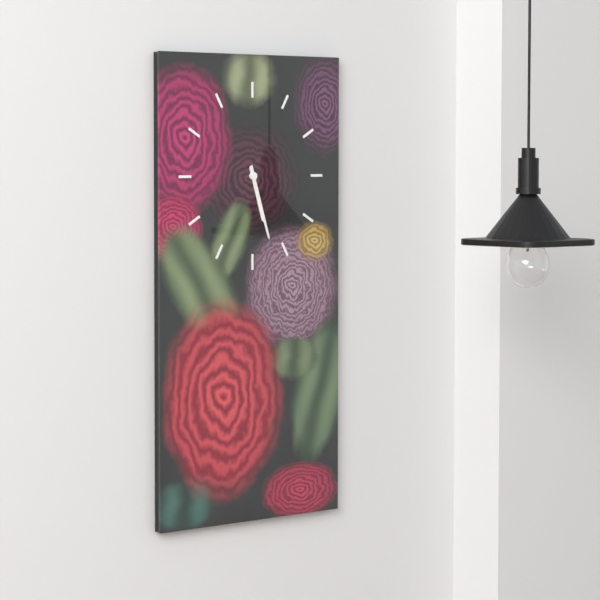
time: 5:27
